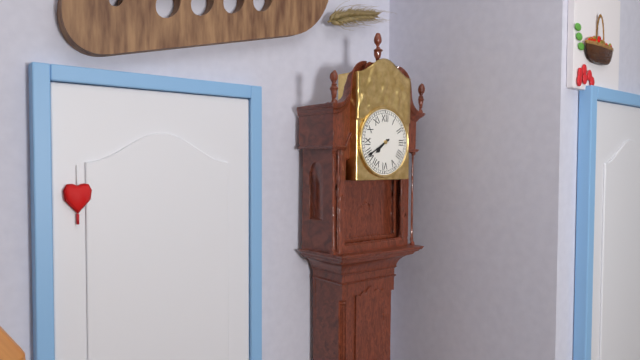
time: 7:40
